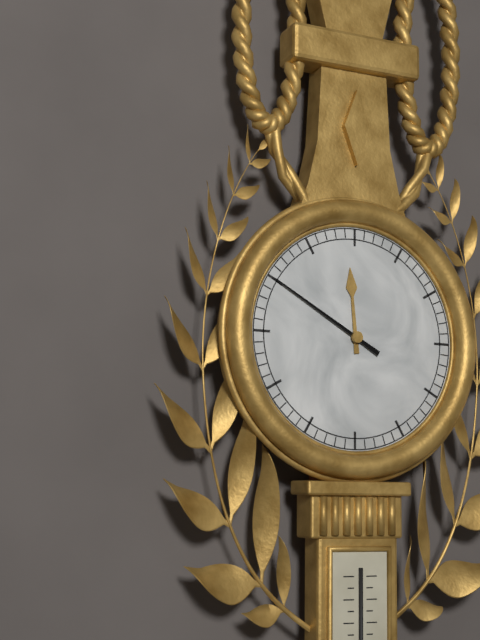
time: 11:50
